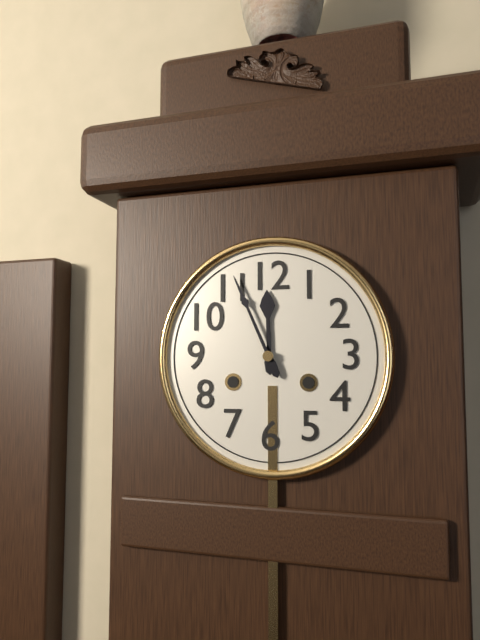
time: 11:56
